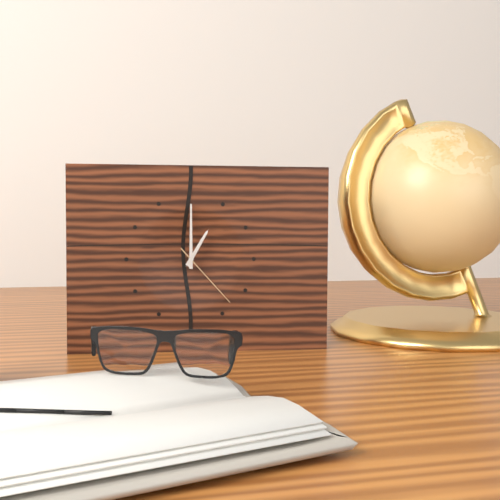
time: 1:00:23
